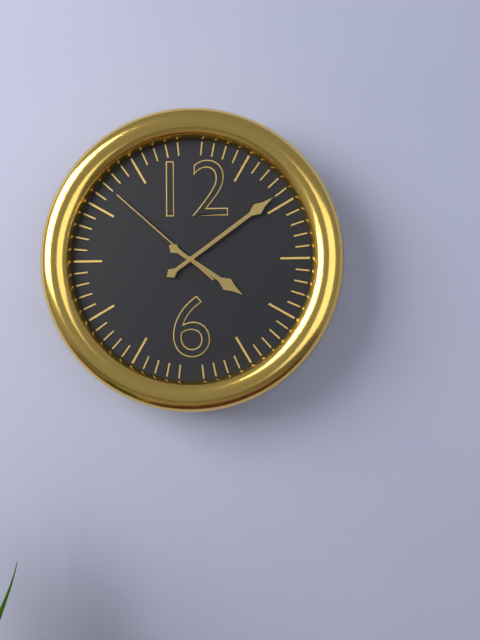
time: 4:09:52
